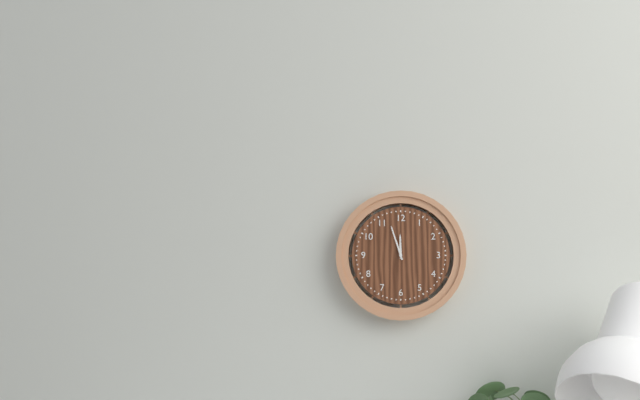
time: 11:57
